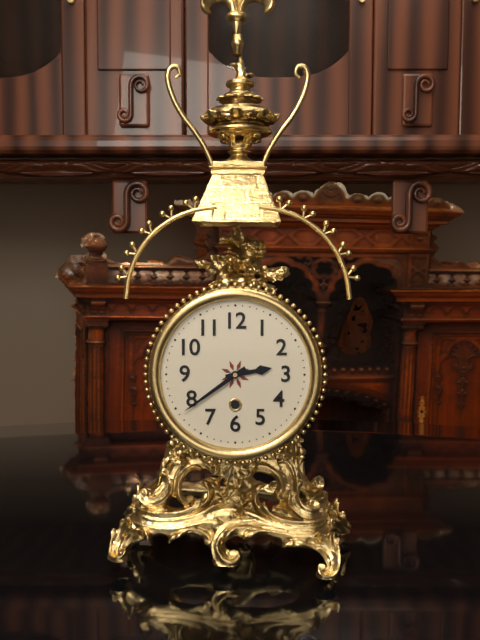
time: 2:39
